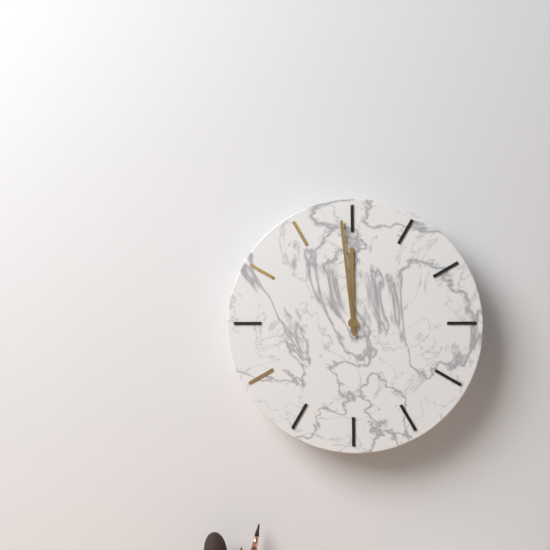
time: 11:59
